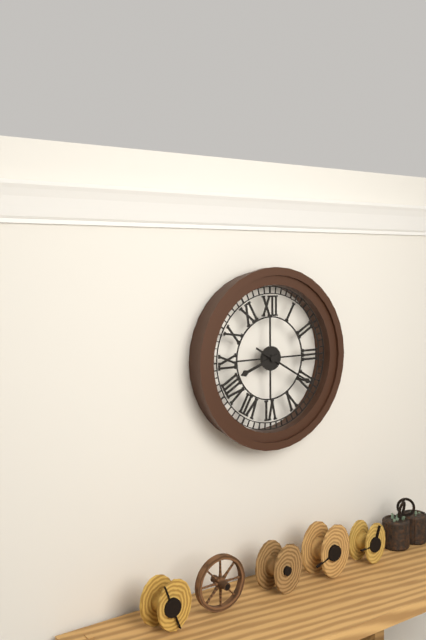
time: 8:20
